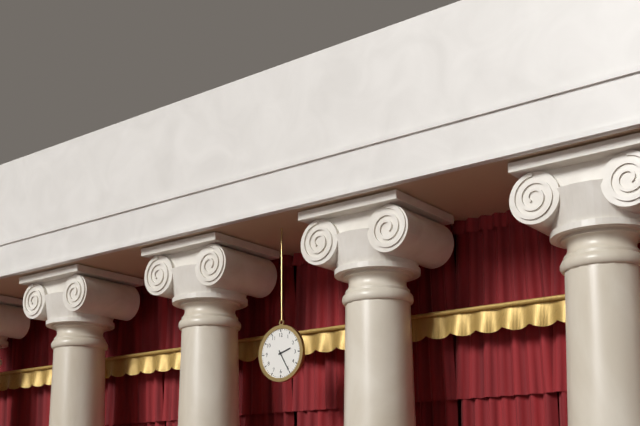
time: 2:25
